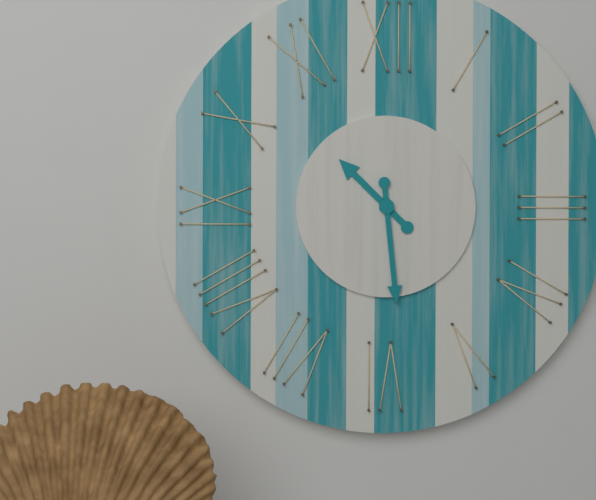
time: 10:29
